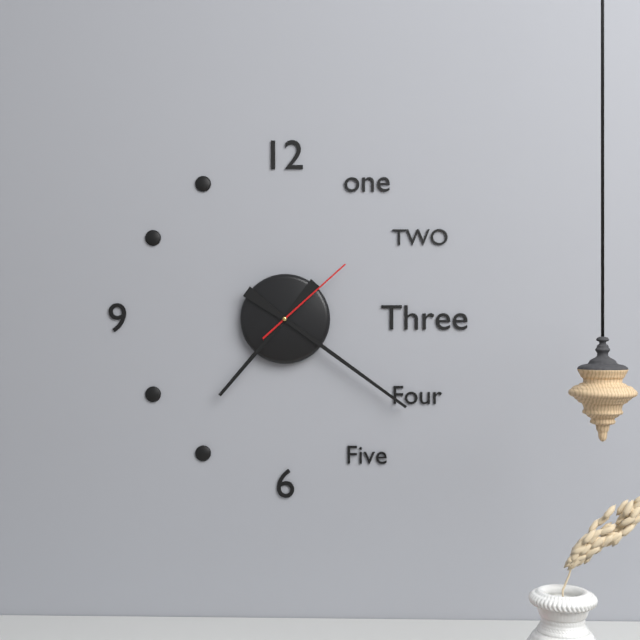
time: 7:21:08
